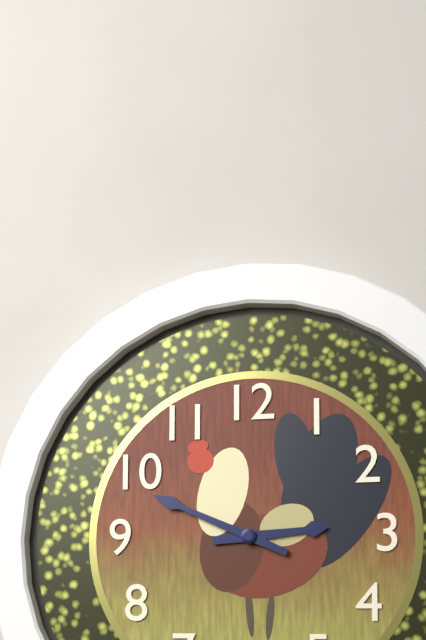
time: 2:49
